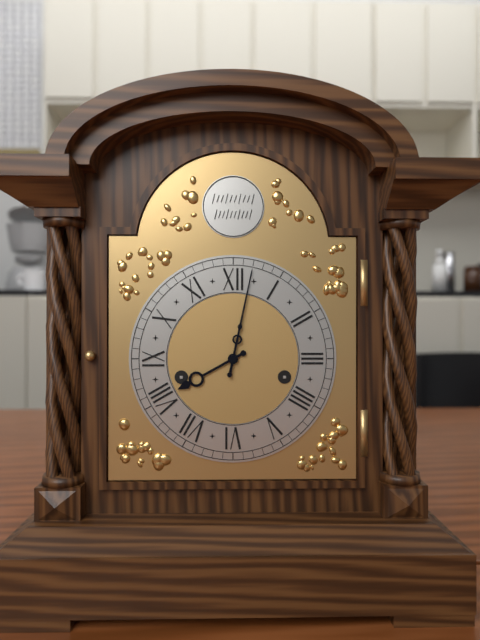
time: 8:02
